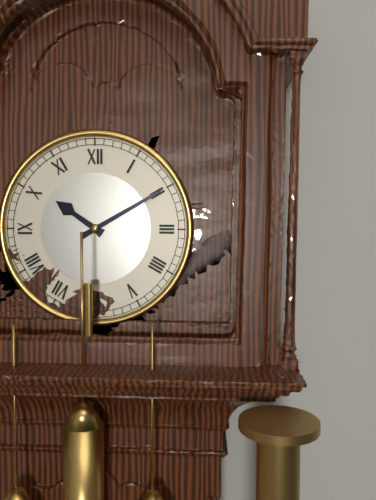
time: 10:10
